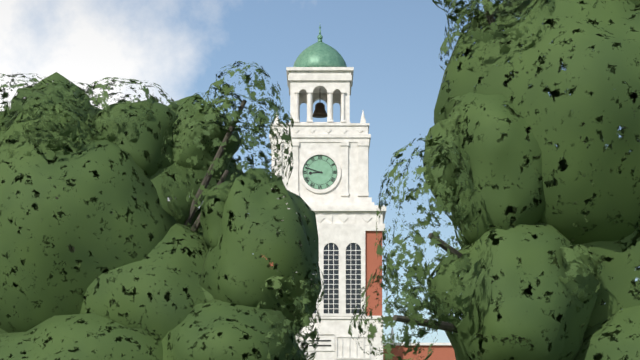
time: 8:48
